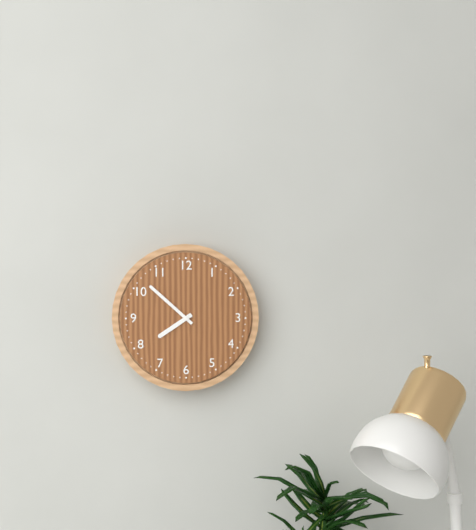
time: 7:52
